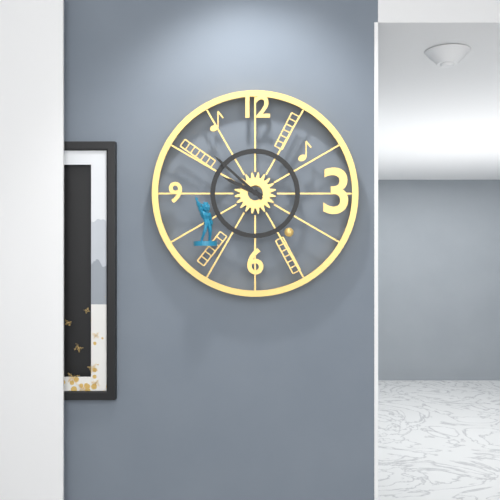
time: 9:52
